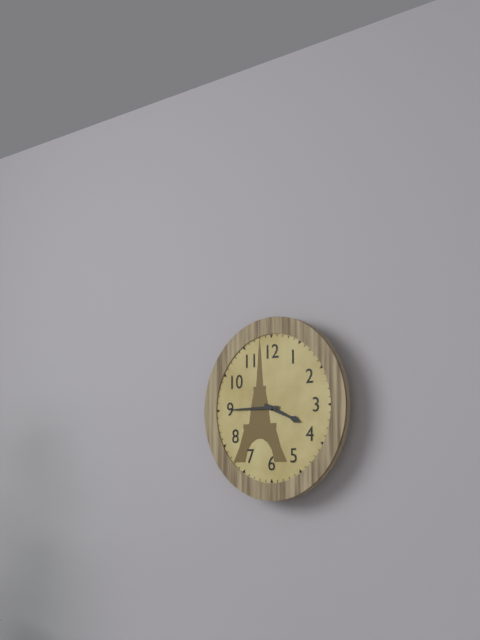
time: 3:45
